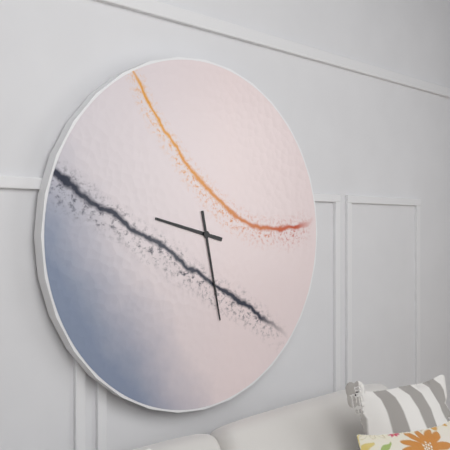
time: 9:28
